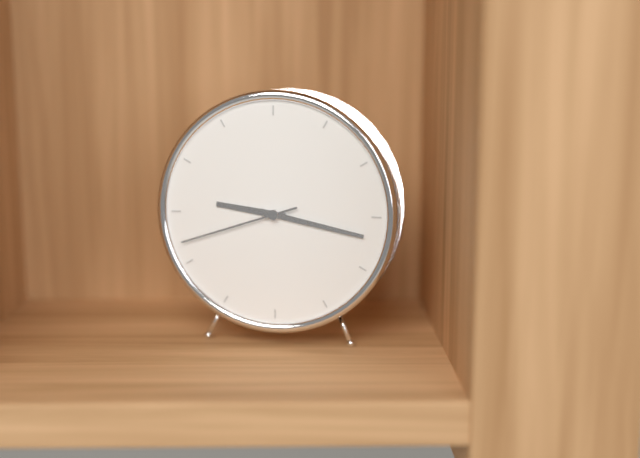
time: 9:17:42
